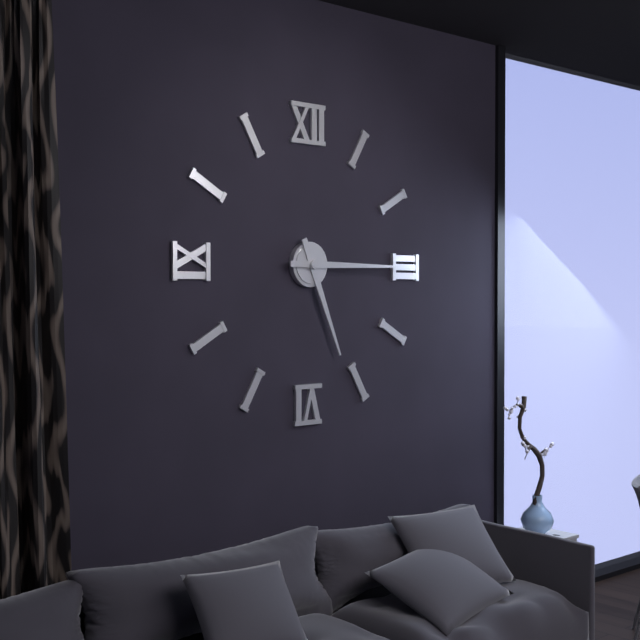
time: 5:15
